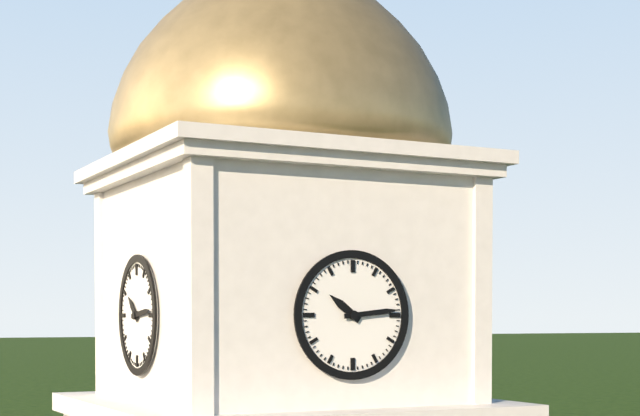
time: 10:14
